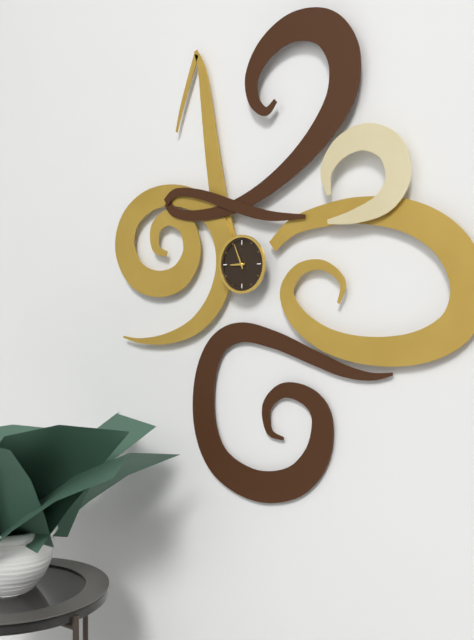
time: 8:56
